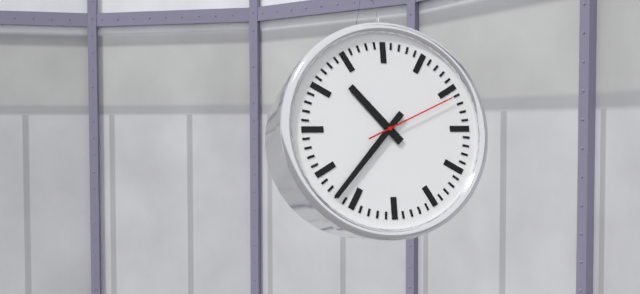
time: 10:37:11
